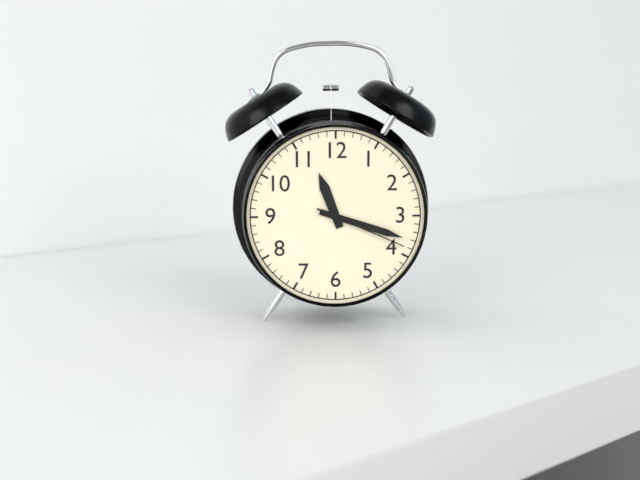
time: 11:18:19
